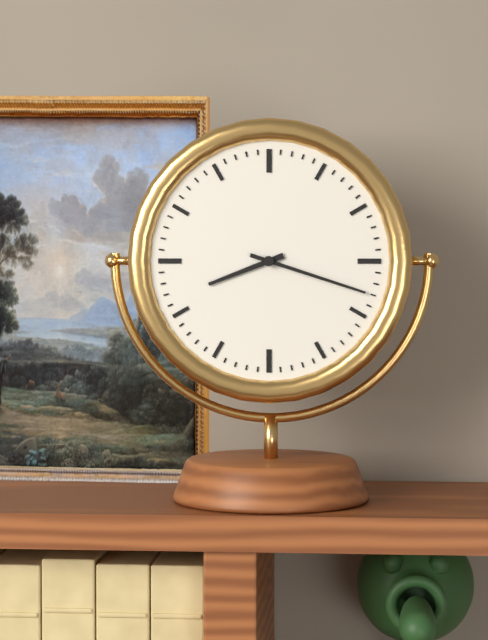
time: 8:18
